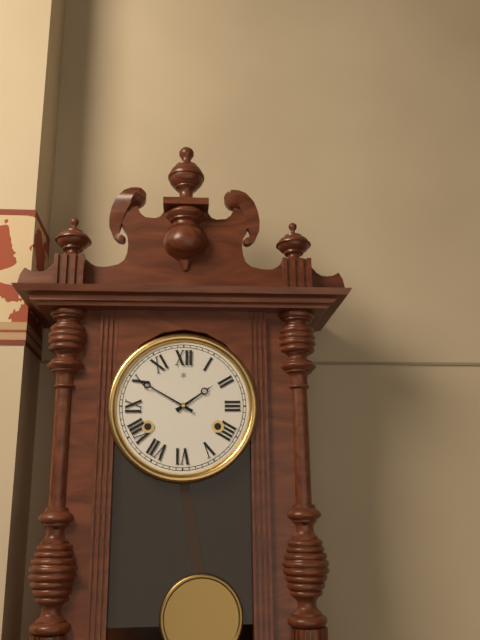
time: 1:50
